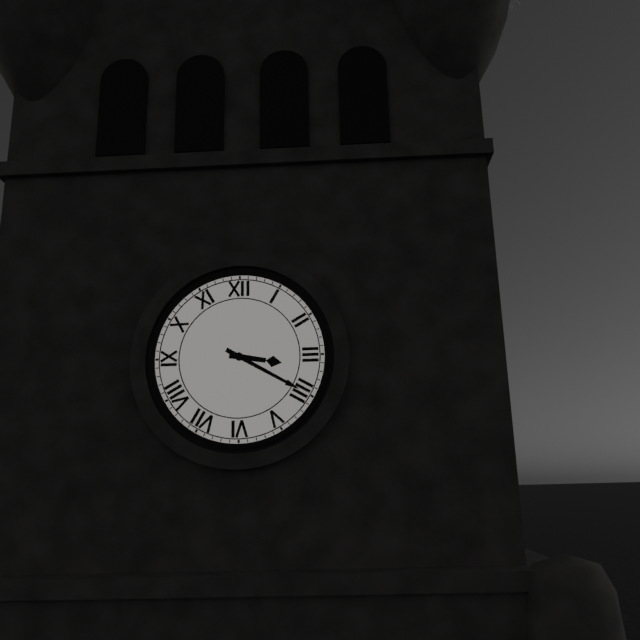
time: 3:20
